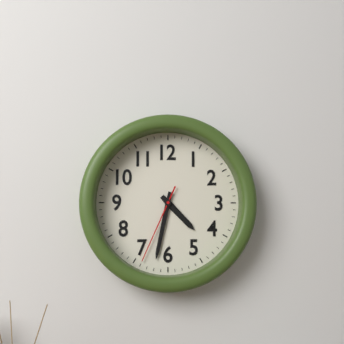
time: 4:32:34
